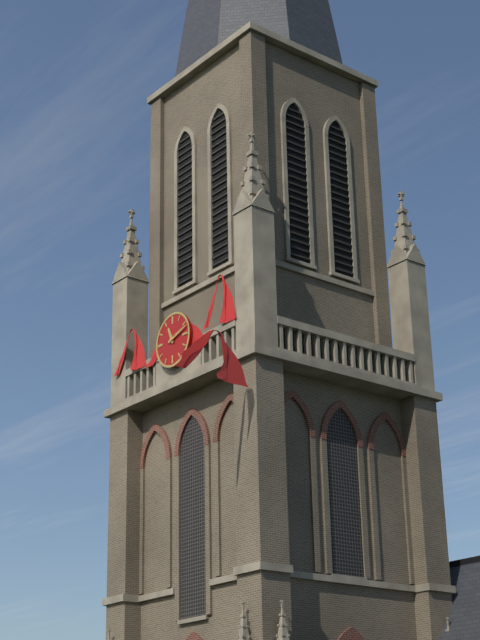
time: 11:12
